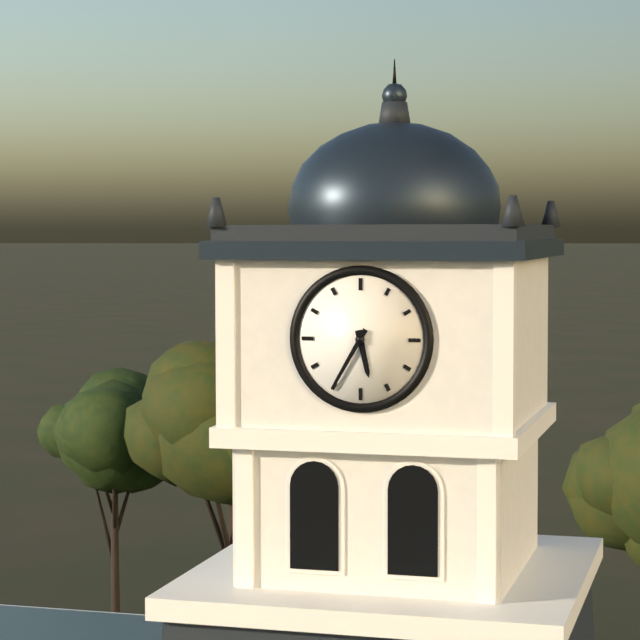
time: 5:35
